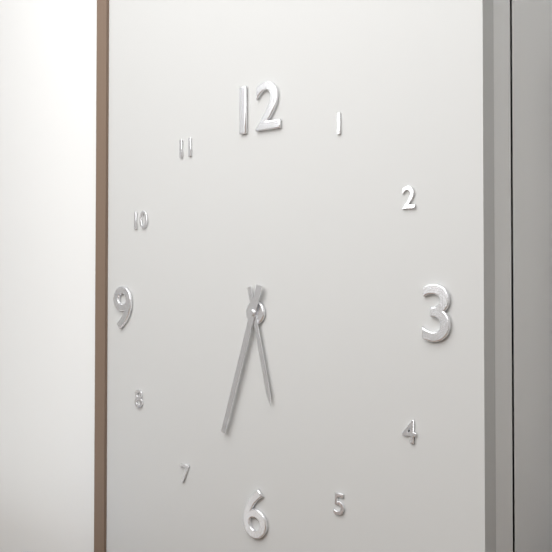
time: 5:33
